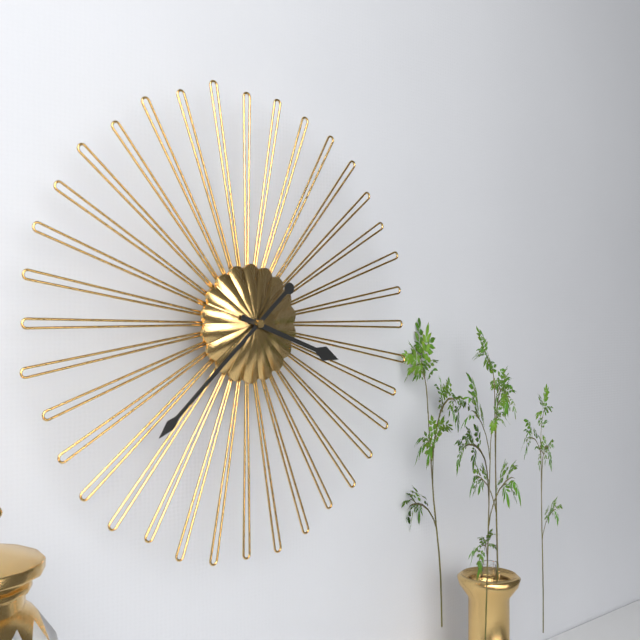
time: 3:38
